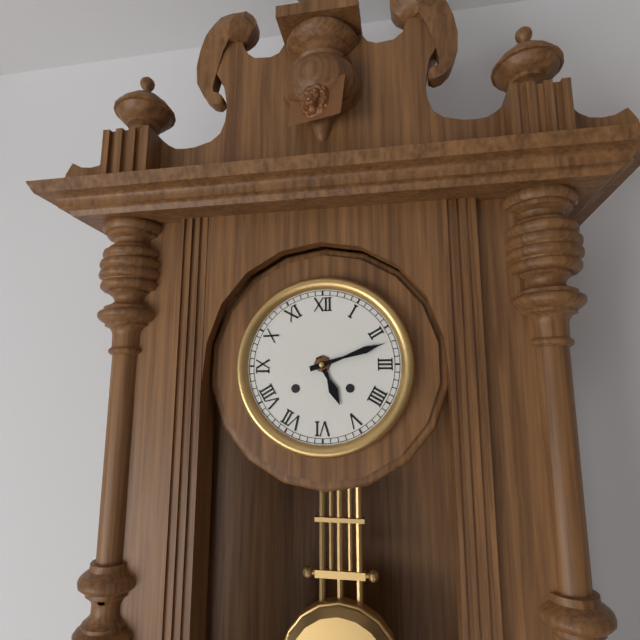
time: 5:12
